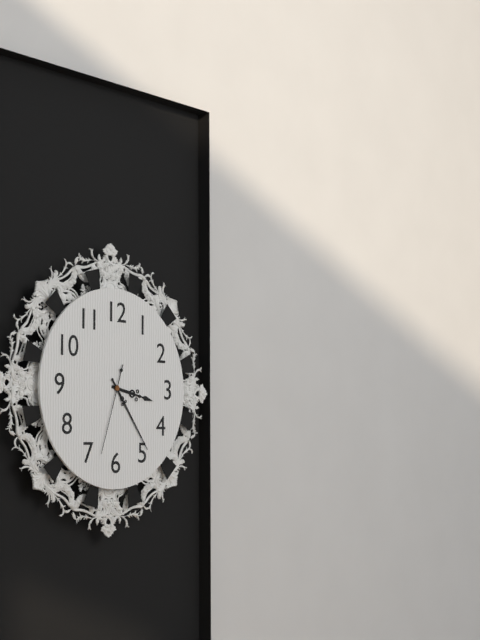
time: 3:24:33
